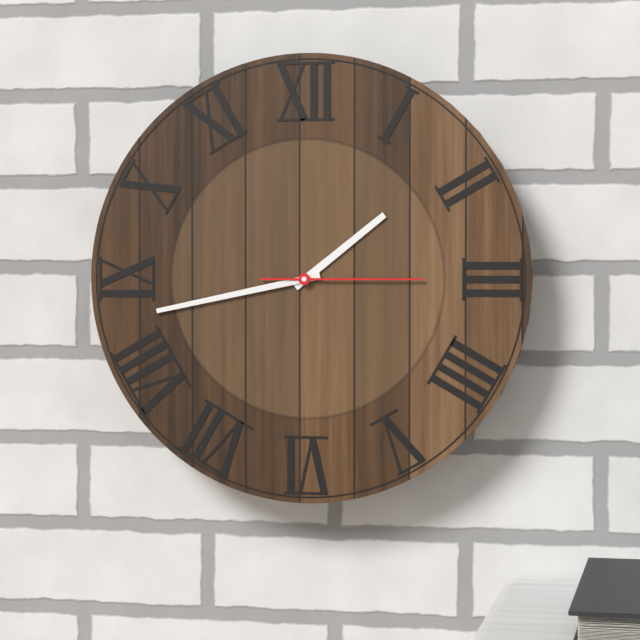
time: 1:43:15
